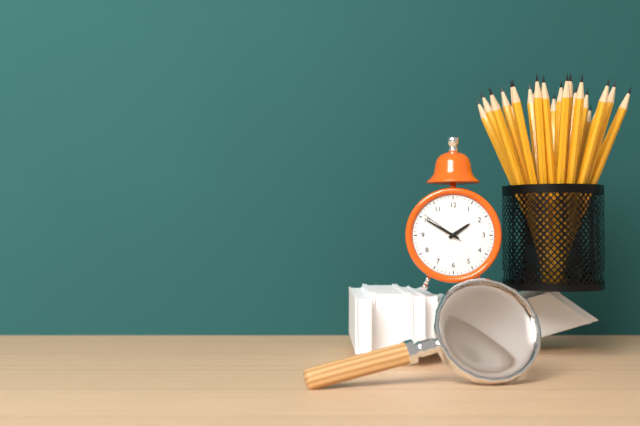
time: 1:50
